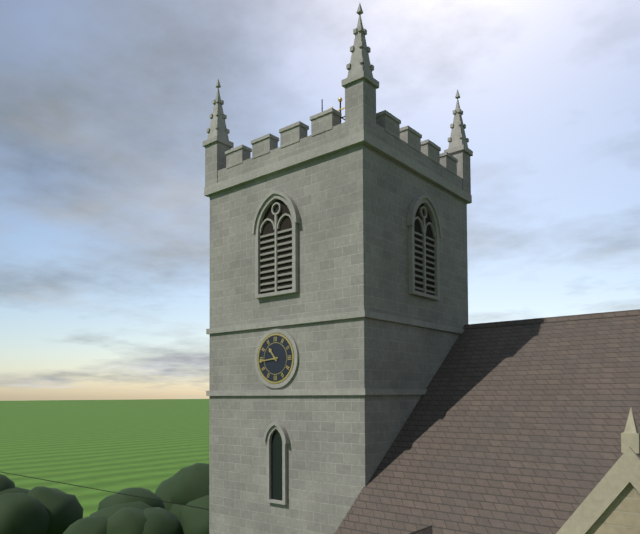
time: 10:44
